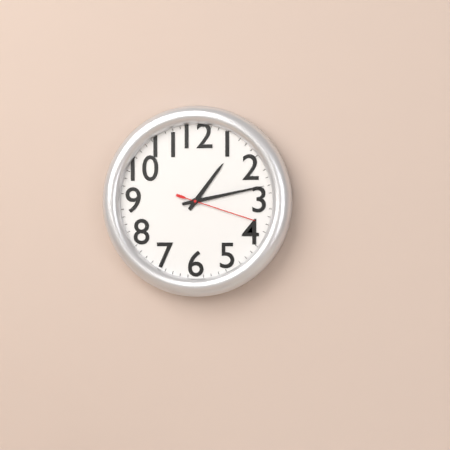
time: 1:13:18
